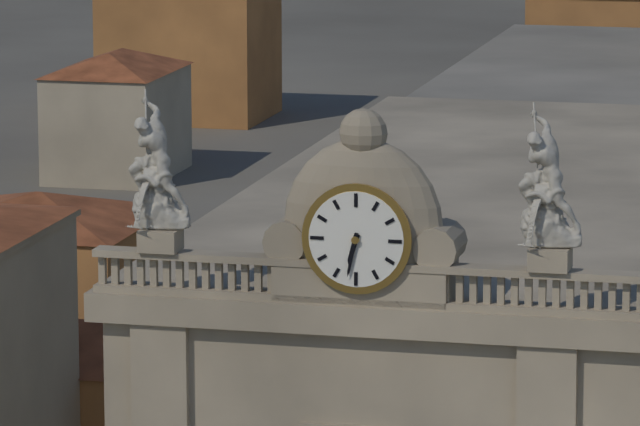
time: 6:32
